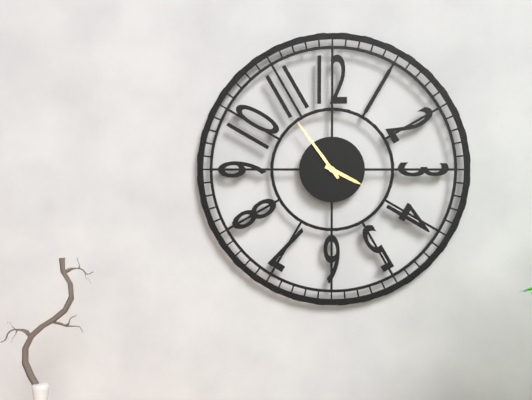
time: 3:54
